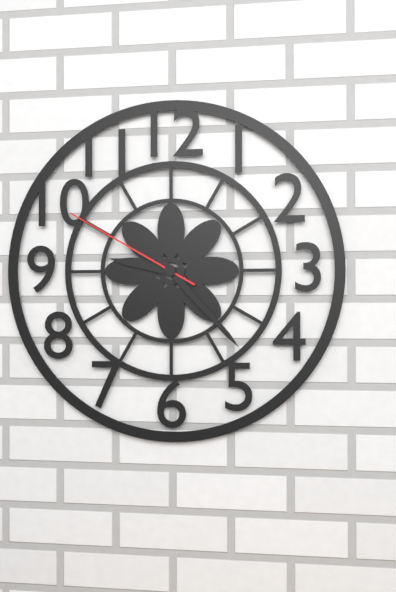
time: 9:23:50
